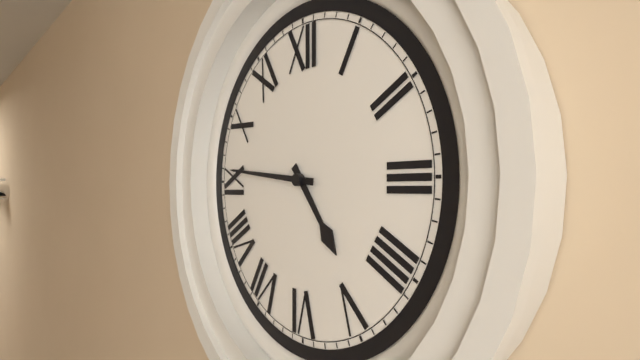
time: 4:46
